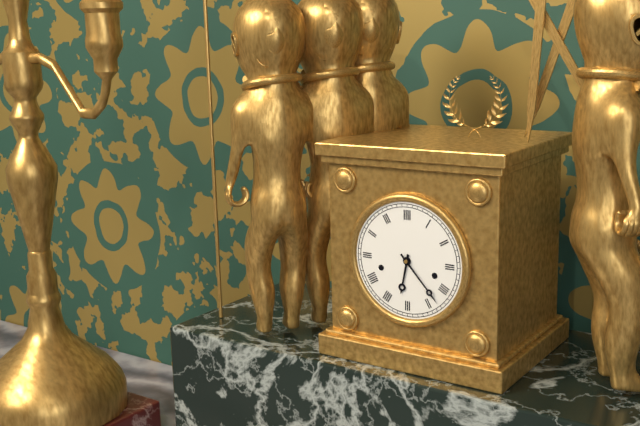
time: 6:23
